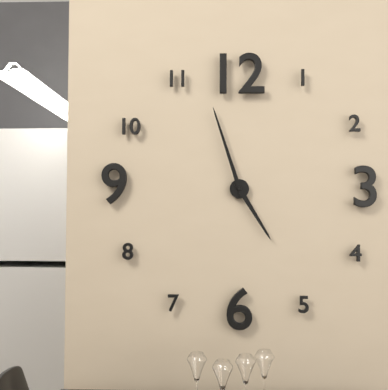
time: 4:57
